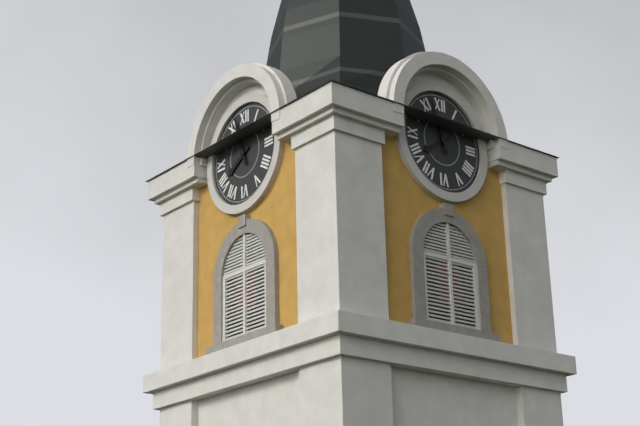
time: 7:57
